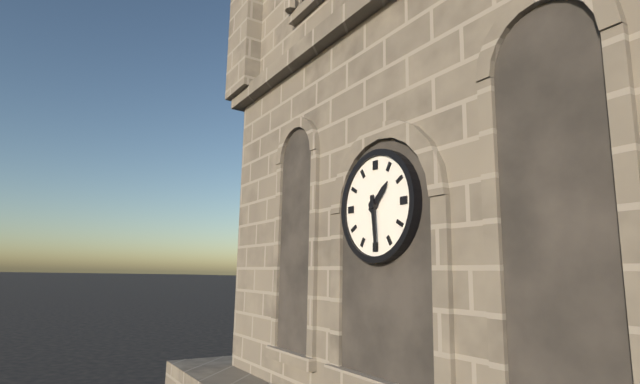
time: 1:29
